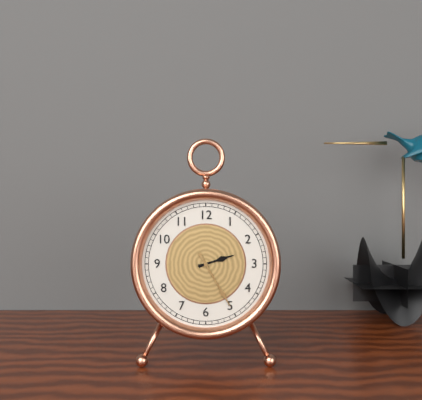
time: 2:25
